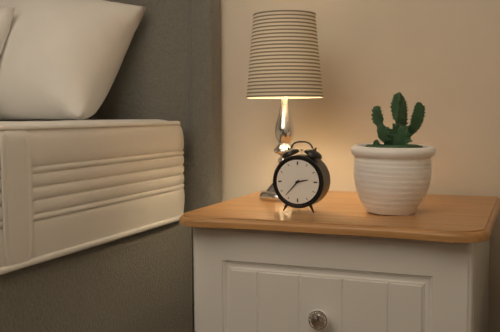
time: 2:37
